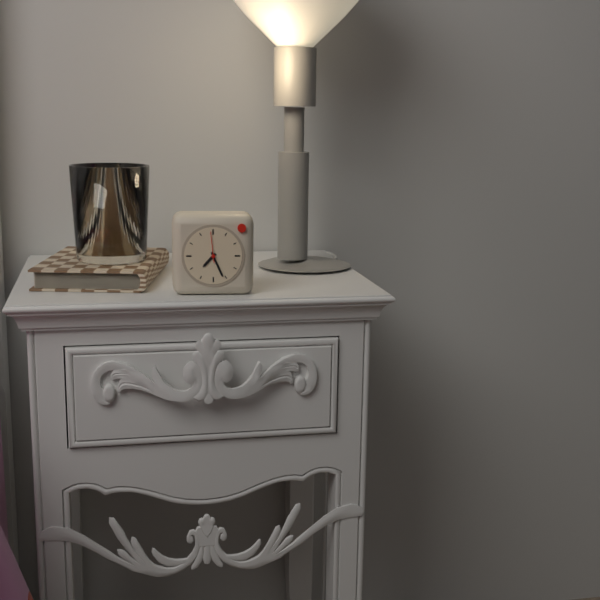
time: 7:26
